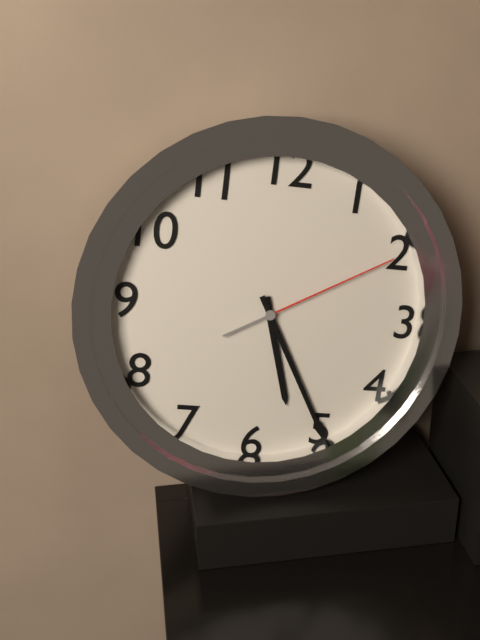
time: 5:25:10
